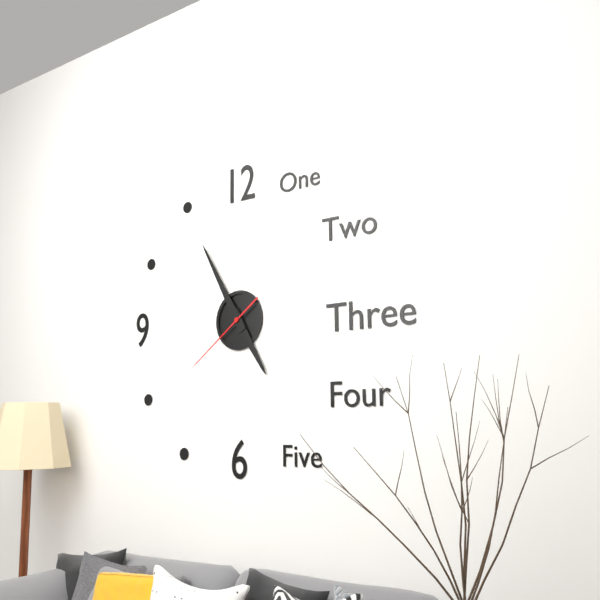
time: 4:55:39
